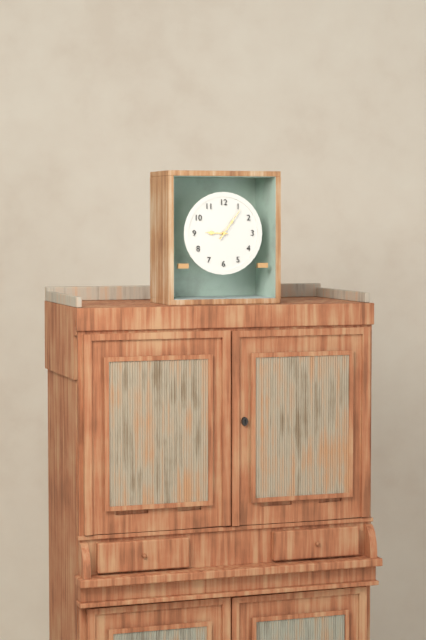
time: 9:06
